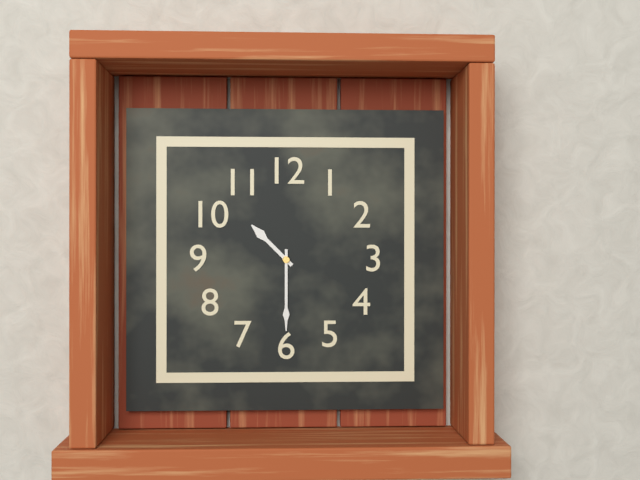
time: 10:30
